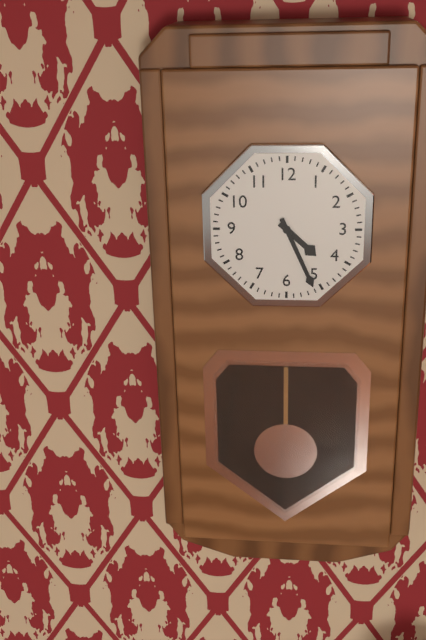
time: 4:26
